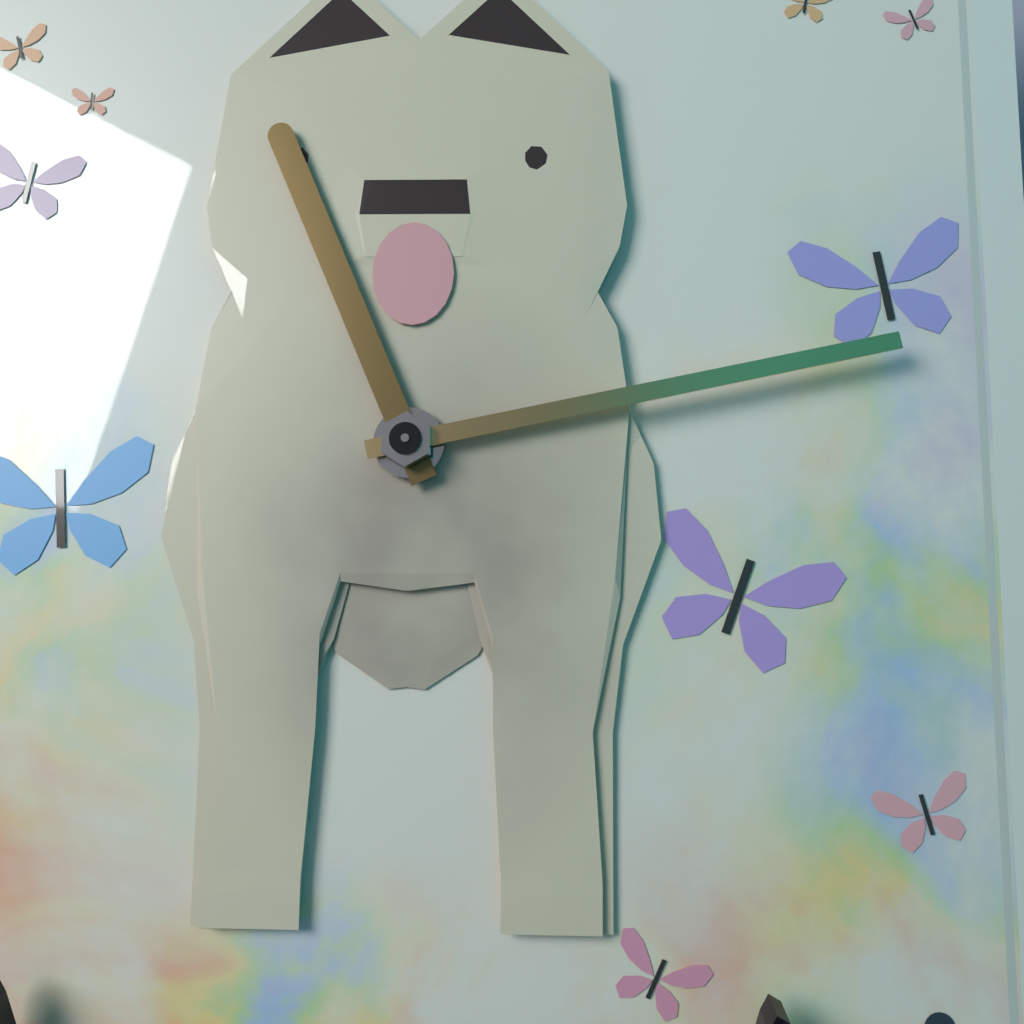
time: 11:13
